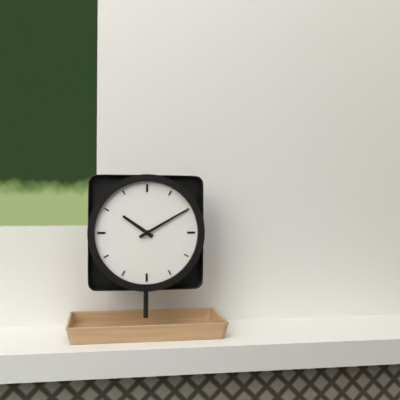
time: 10:10
